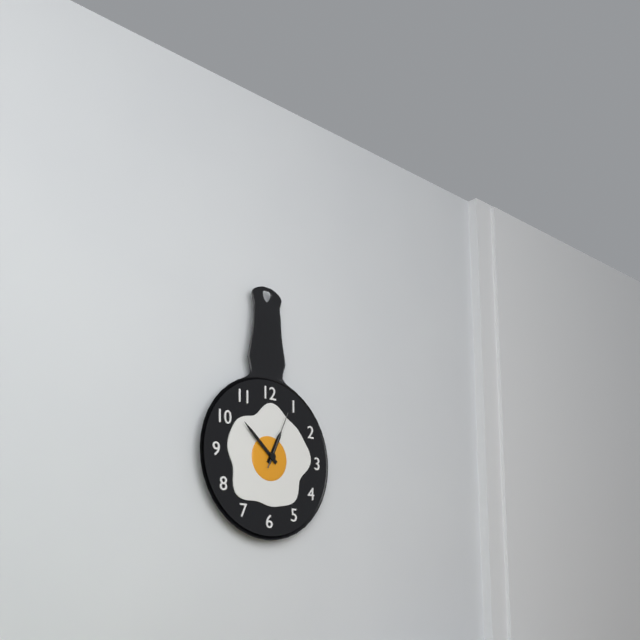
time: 12:52:04
